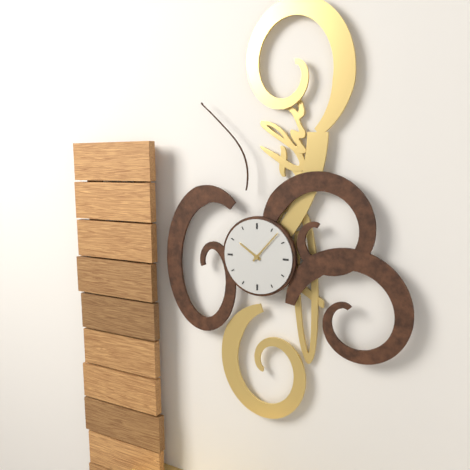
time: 10:07
